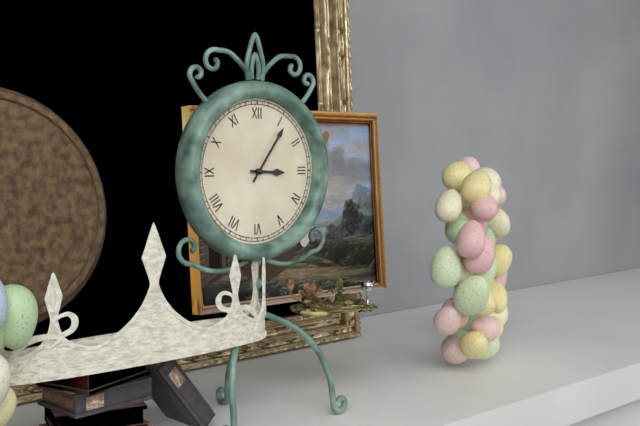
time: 3:06
